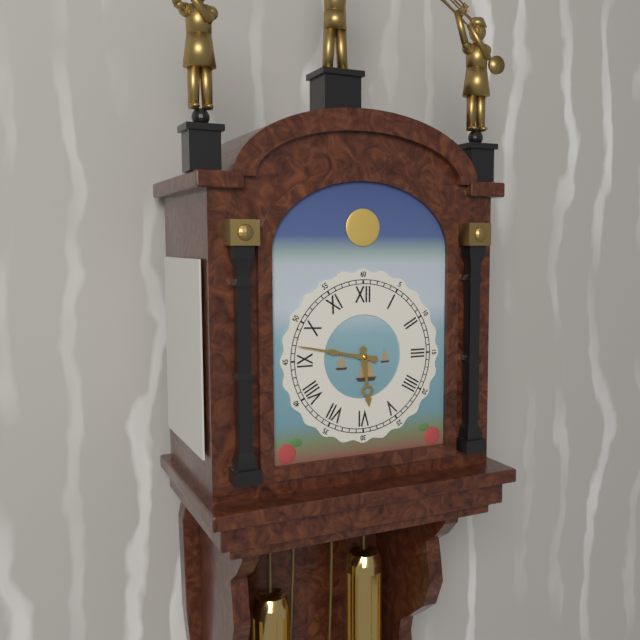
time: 5:47
